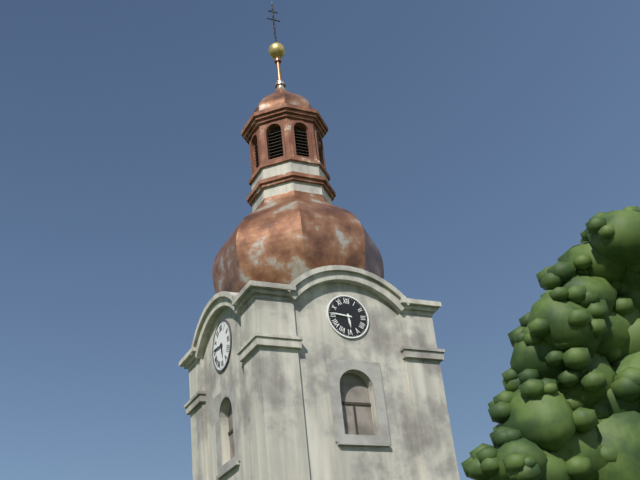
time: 5:46
